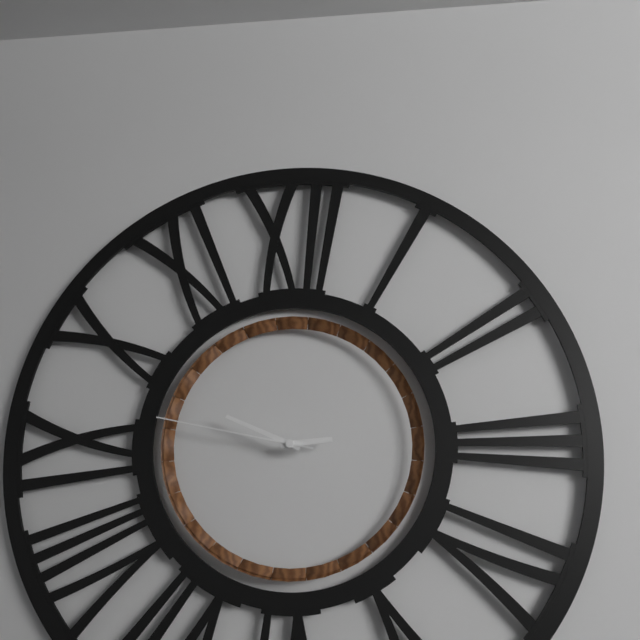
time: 2:49:47
